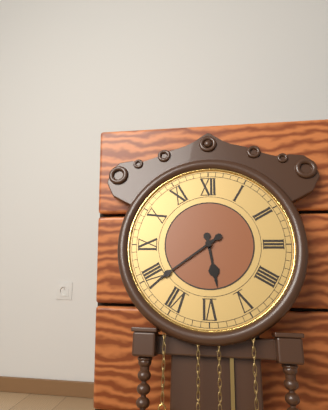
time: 5:39
